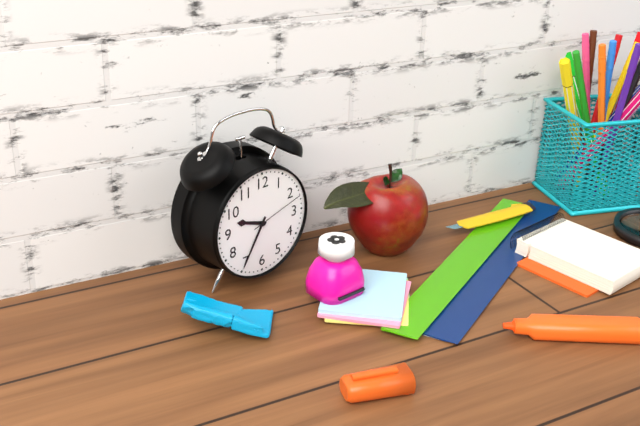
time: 9:35:12
